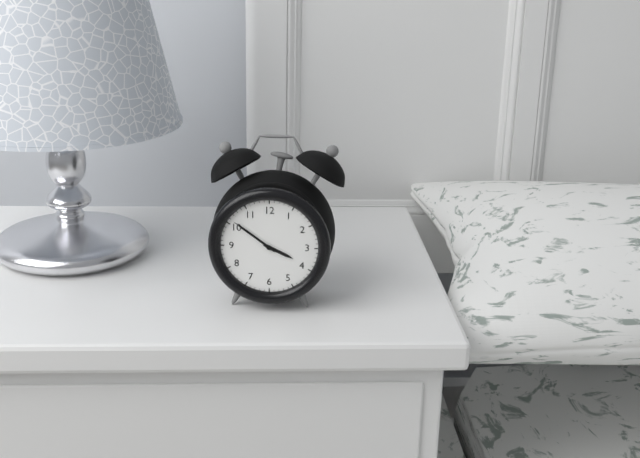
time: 3:51
